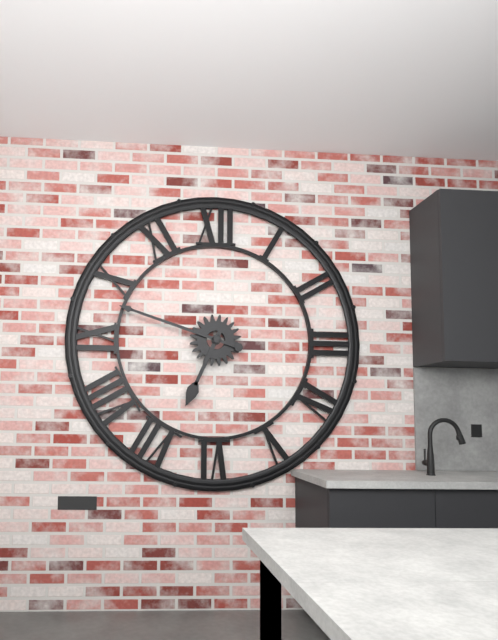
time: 6:48
